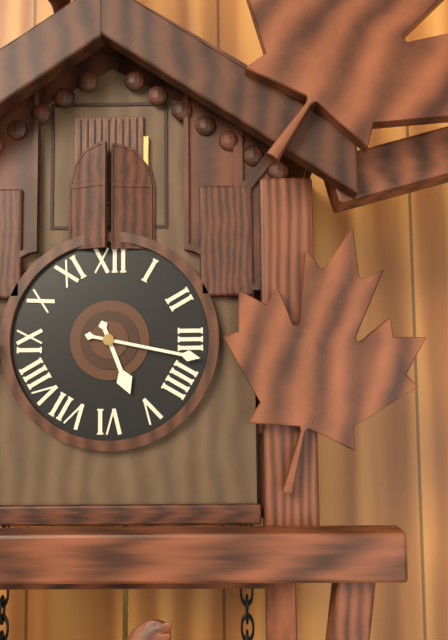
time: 5:17
